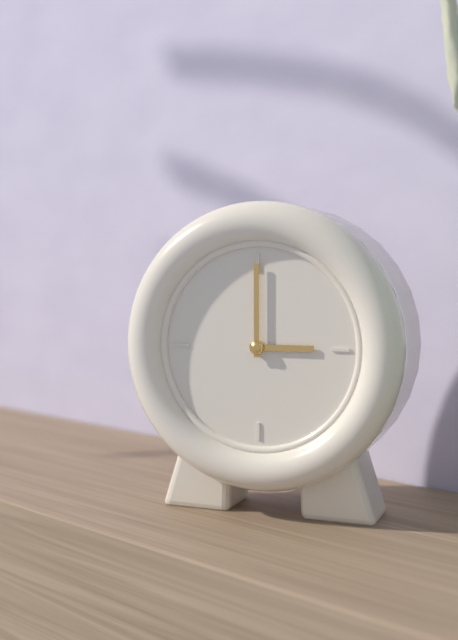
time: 3:00
